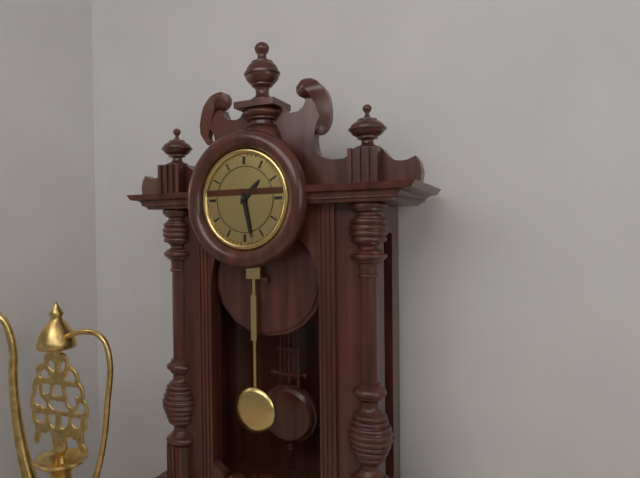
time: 1:28
